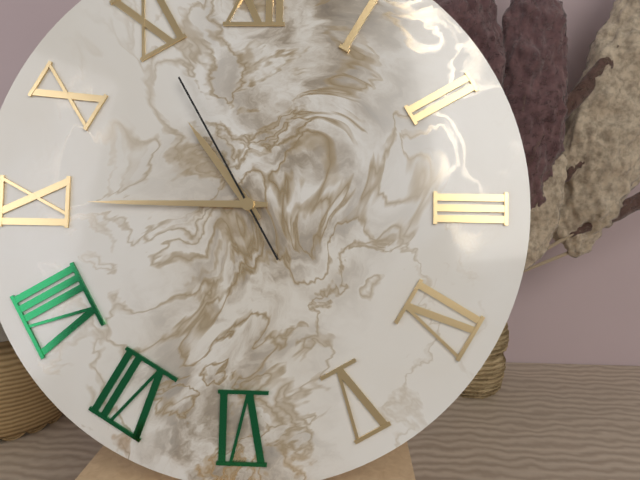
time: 10:45:55
